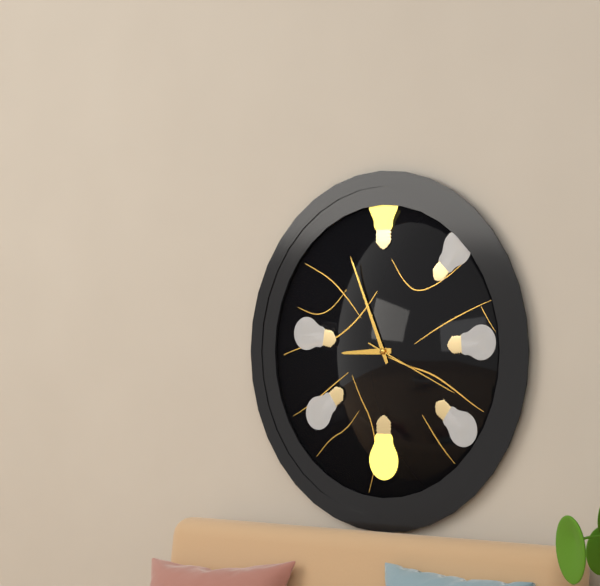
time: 8:56:19
